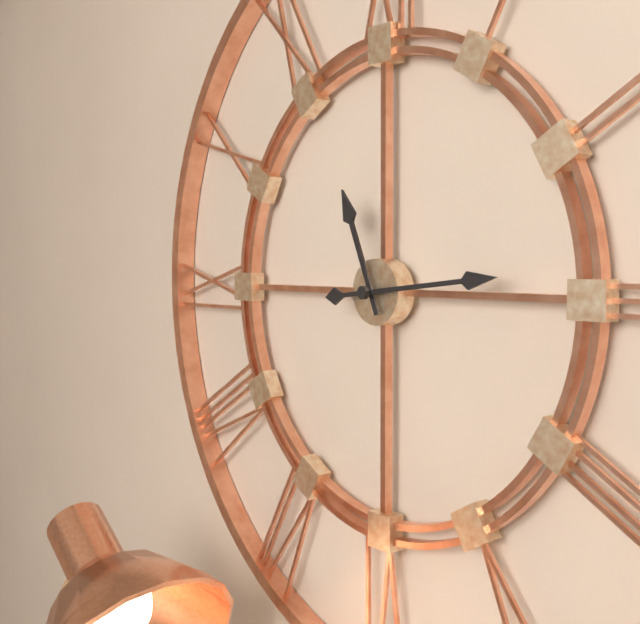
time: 11:14
